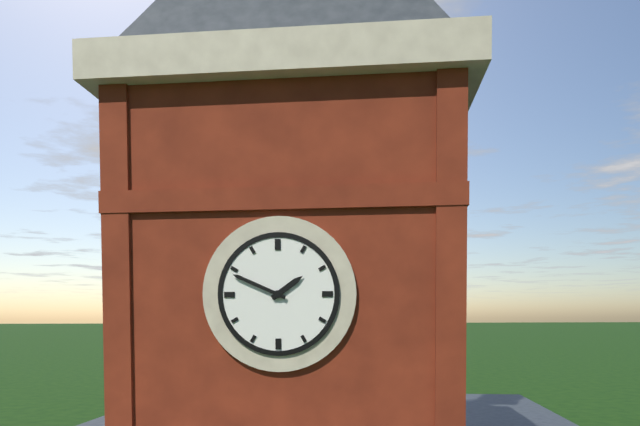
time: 1:49
